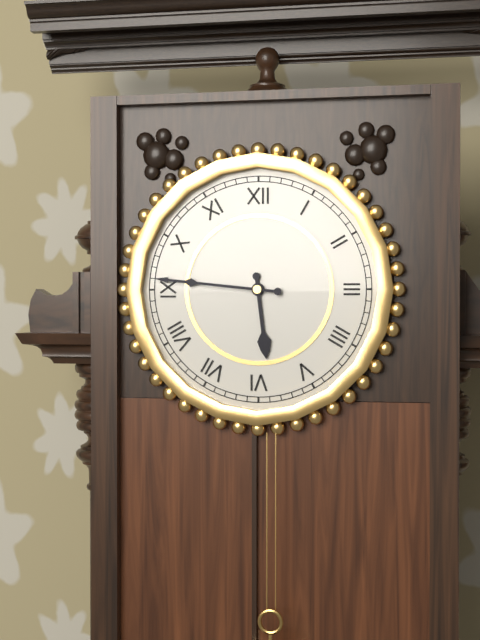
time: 5:46
